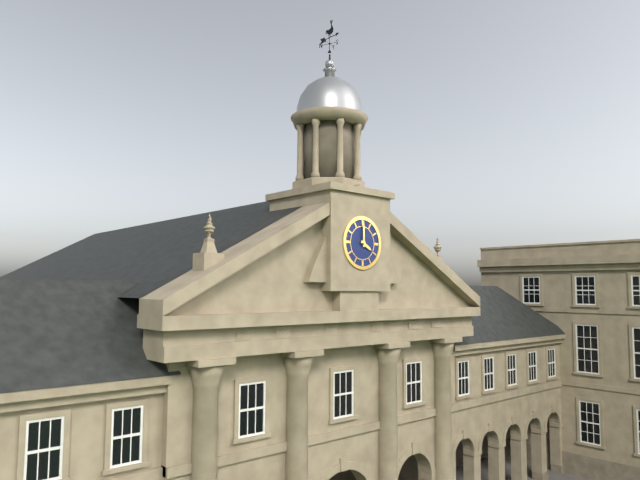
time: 4:00
